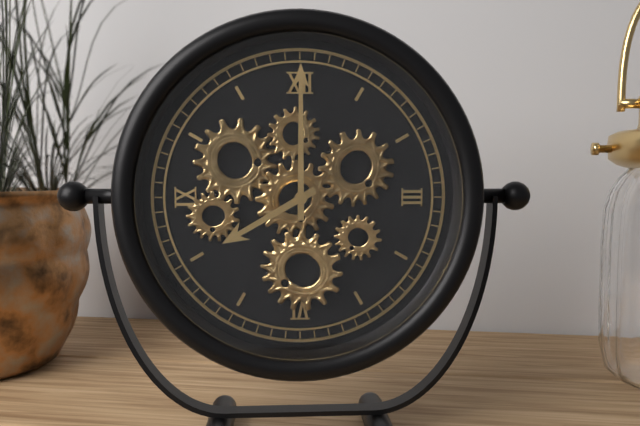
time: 8:00
